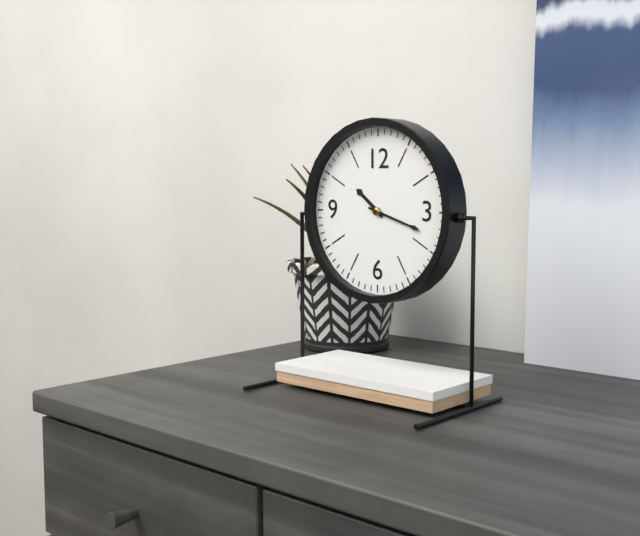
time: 10:18
